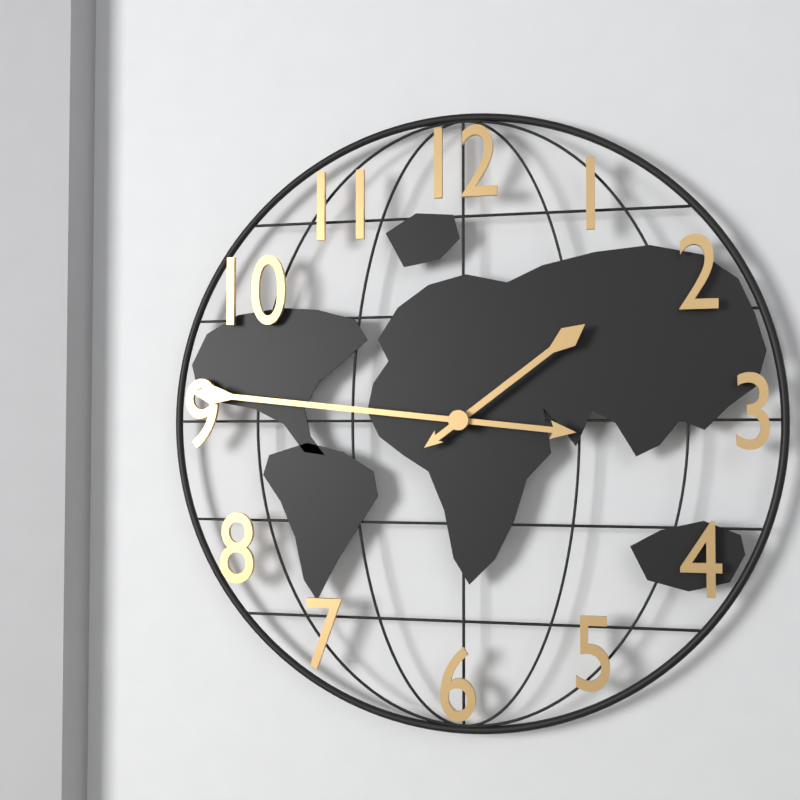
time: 1:46
